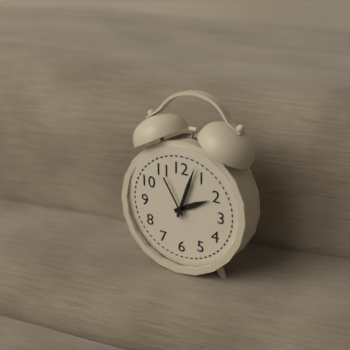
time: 2:03
